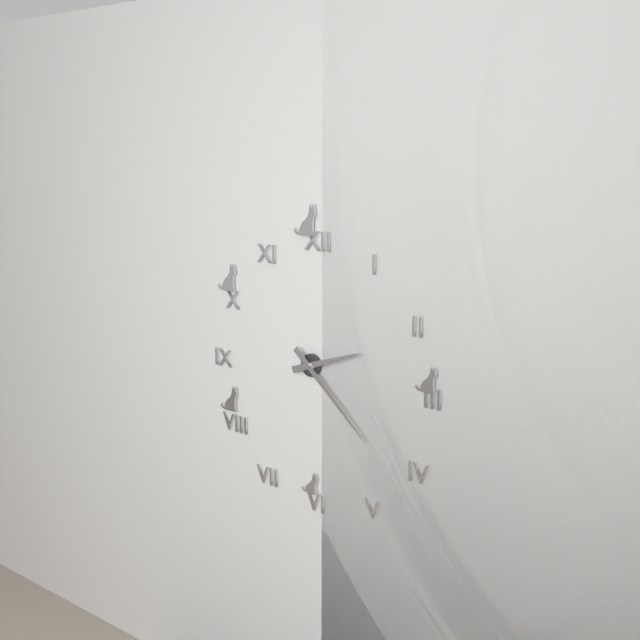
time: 2:22
